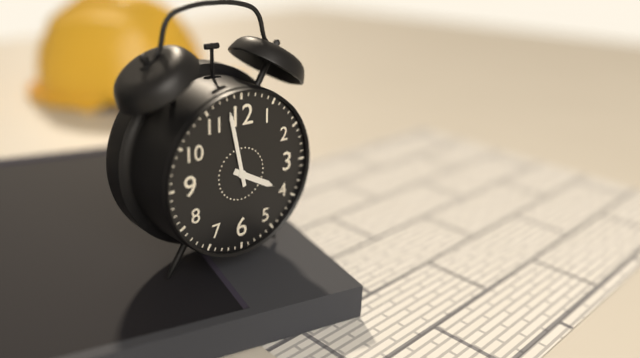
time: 3:58
